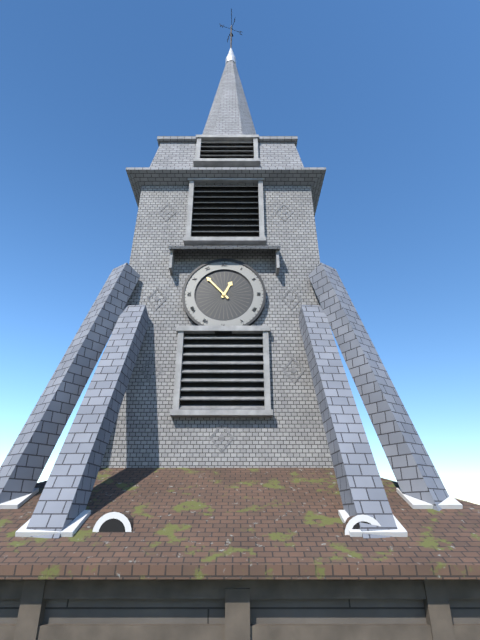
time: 12:53
